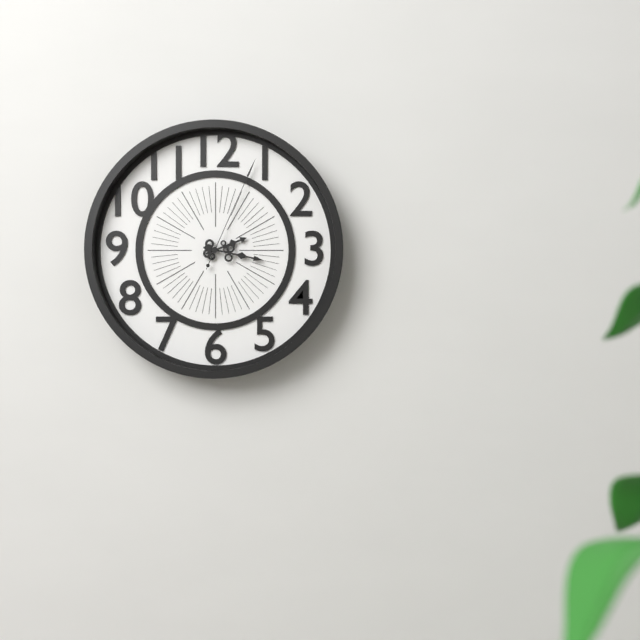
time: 2:17:04
